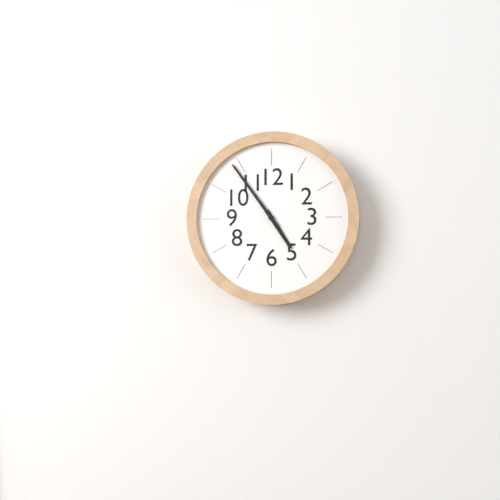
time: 4:54
